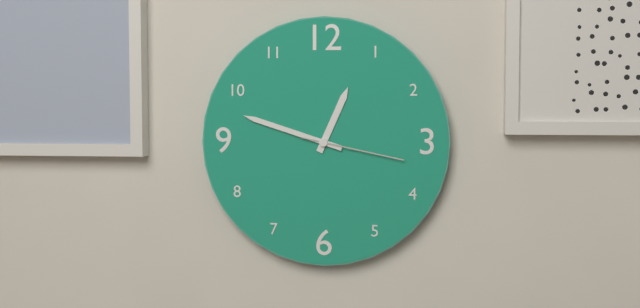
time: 12:48:17
